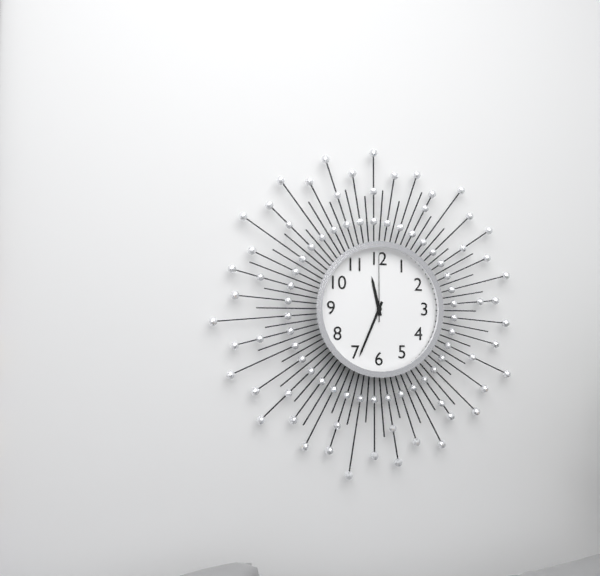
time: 11:34:00
